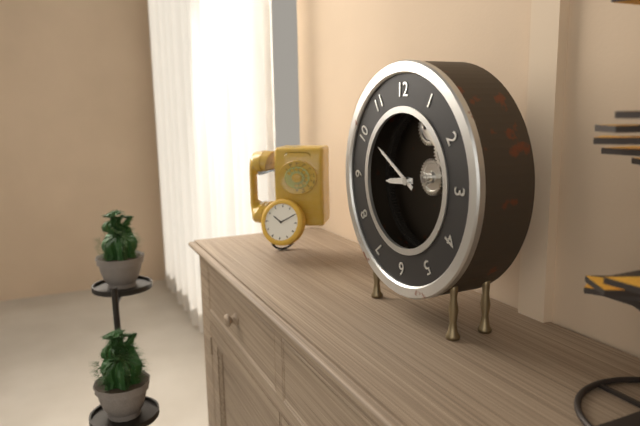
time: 8:50
